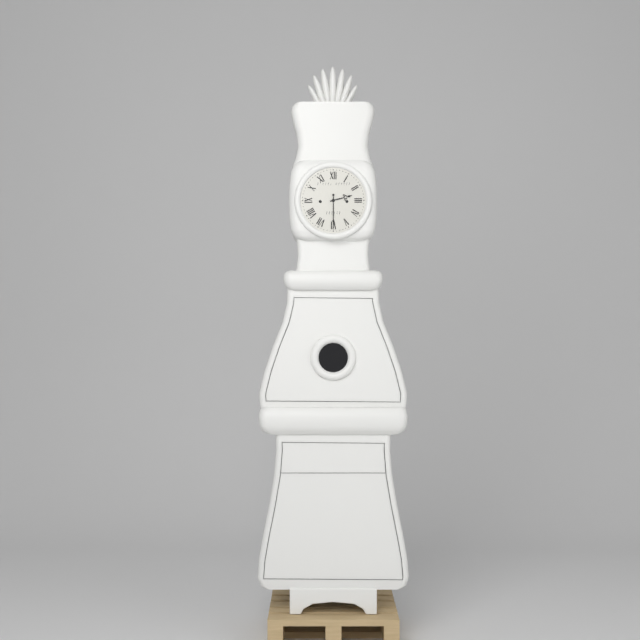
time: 2:30
